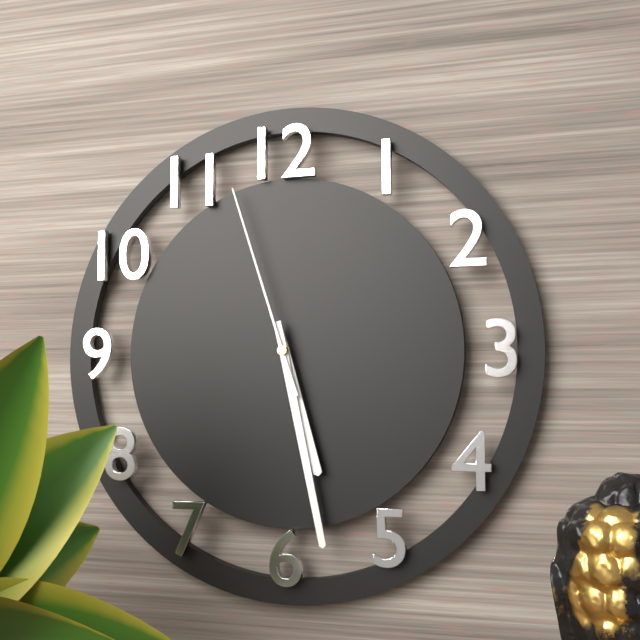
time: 5:28:57
